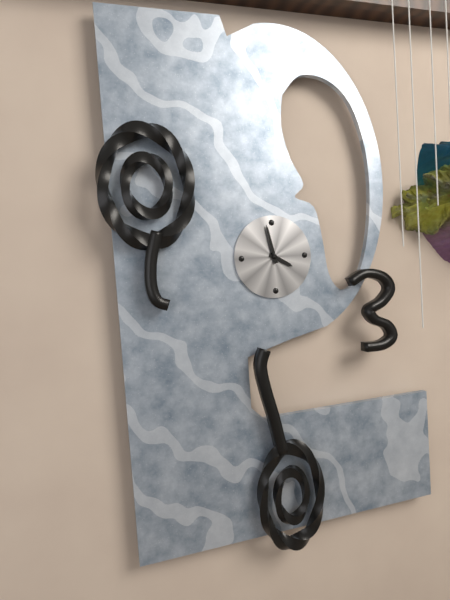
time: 3:58
